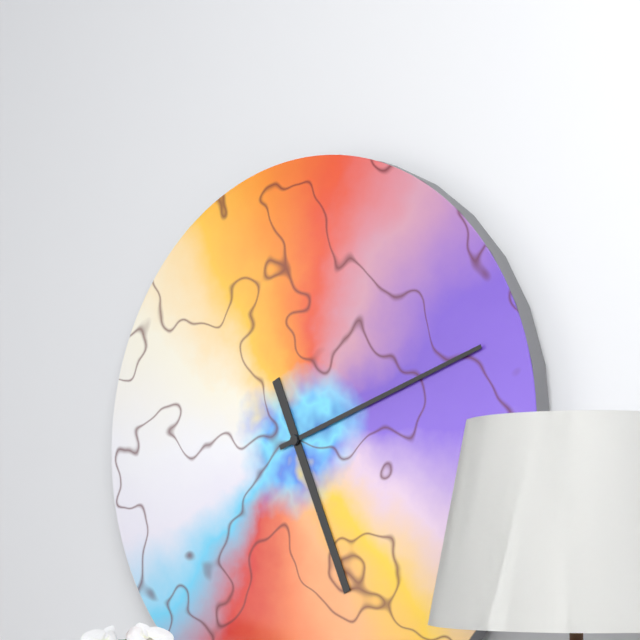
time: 5:12
